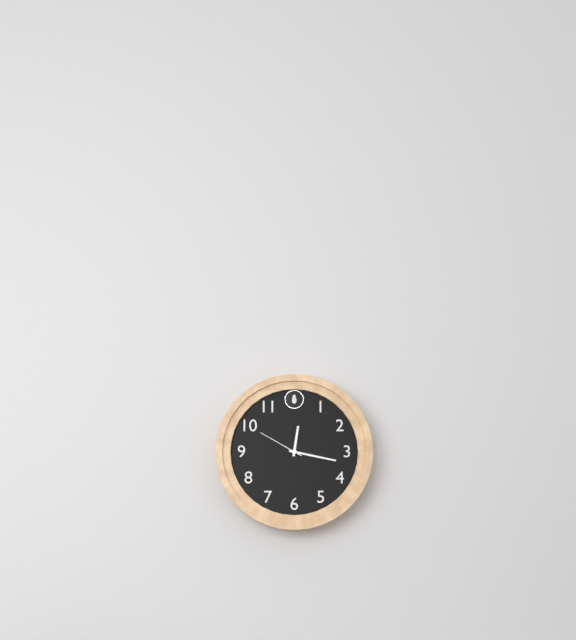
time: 12:17
